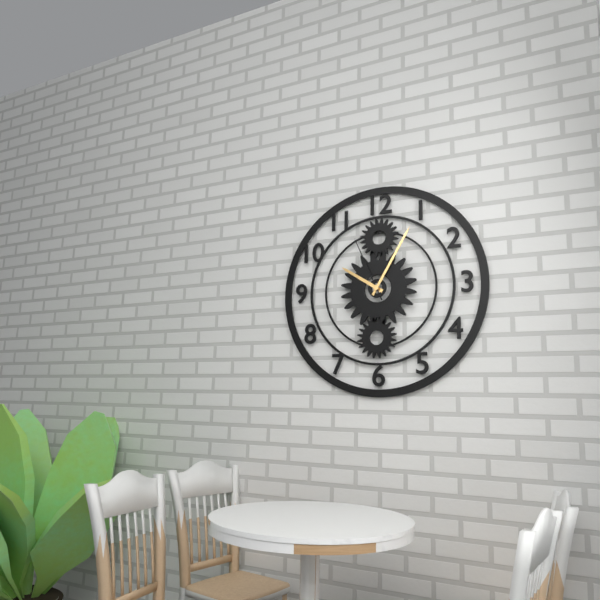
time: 10:05:56
